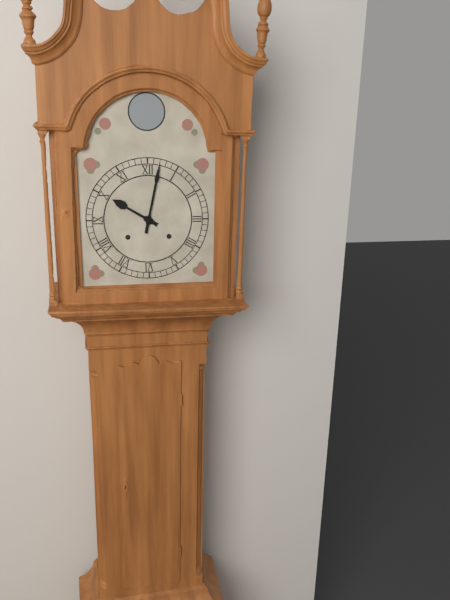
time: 10:02
